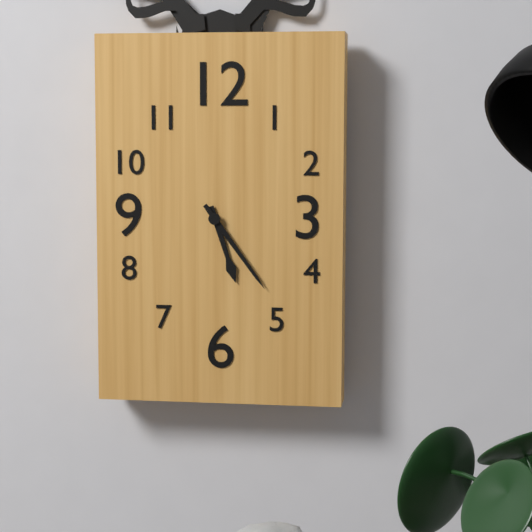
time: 5:24
